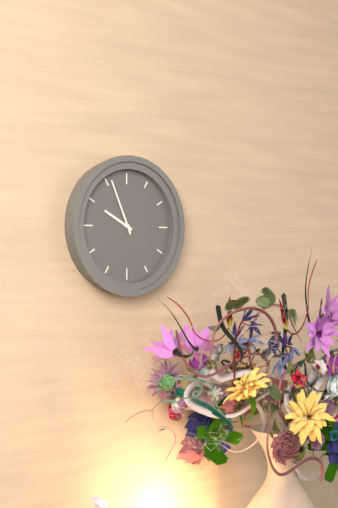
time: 9:56
